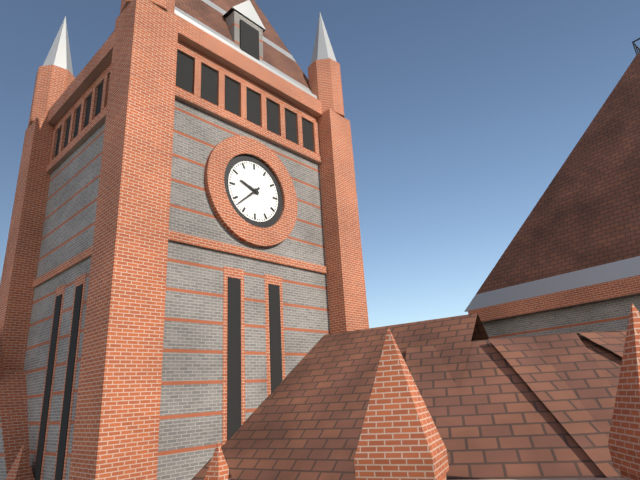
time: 9:38
